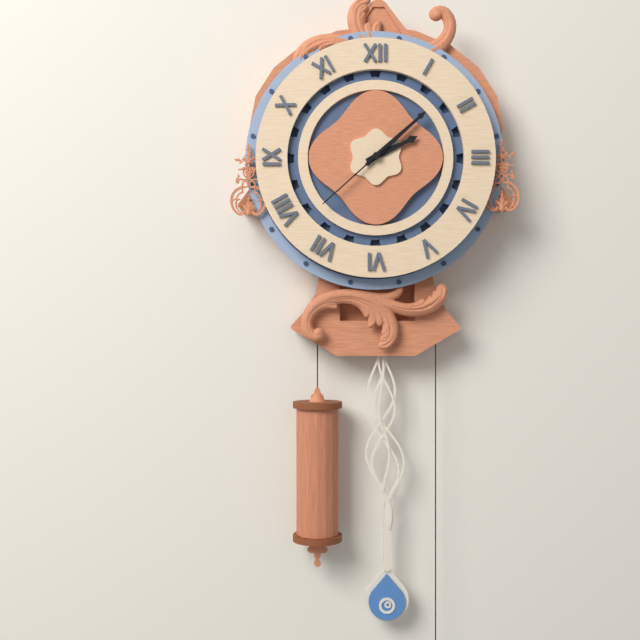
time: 2:08:38
